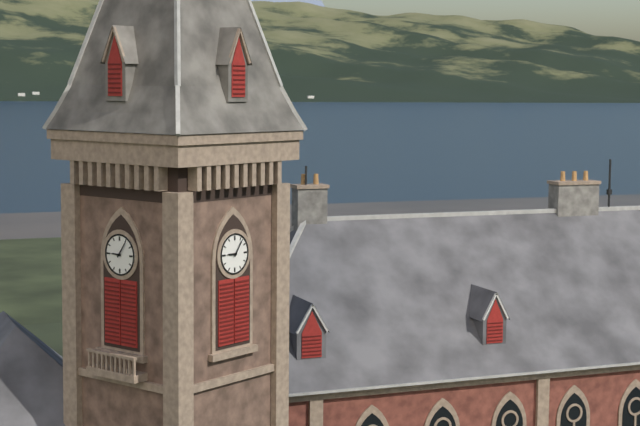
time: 9:06
